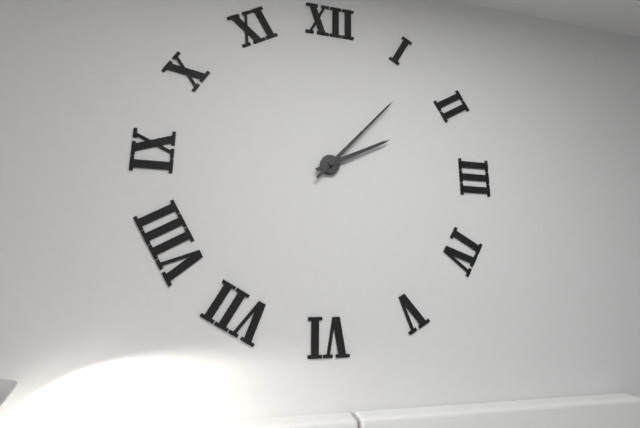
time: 2:07
